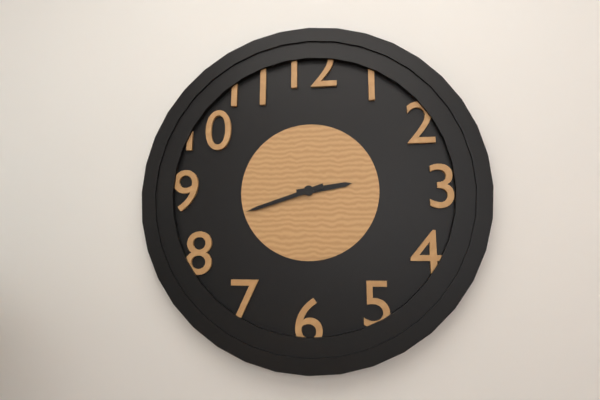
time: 2:42
